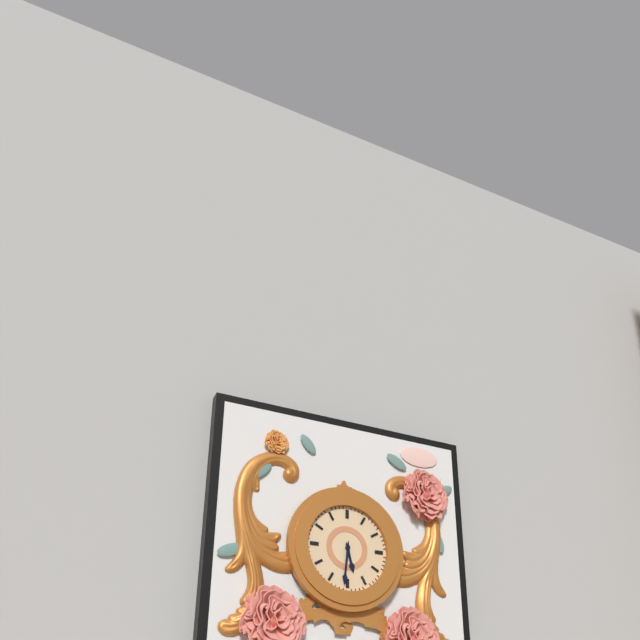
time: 5:31
